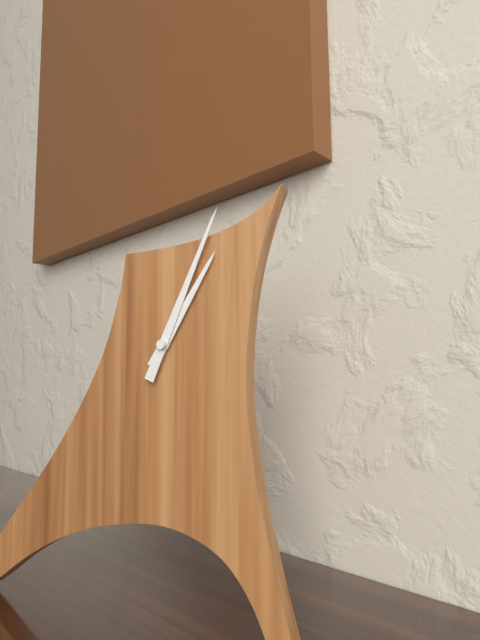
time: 1:04
